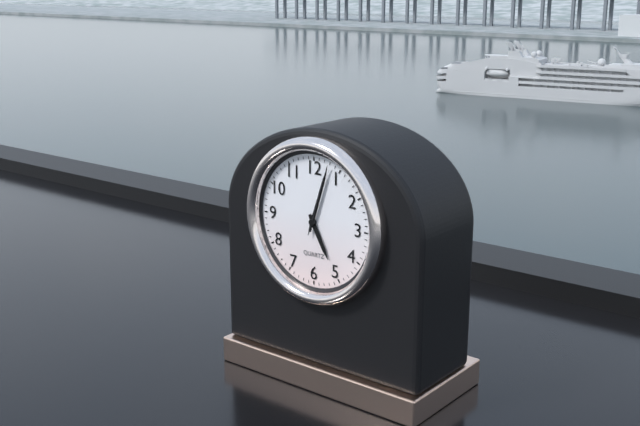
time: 5:03:03
